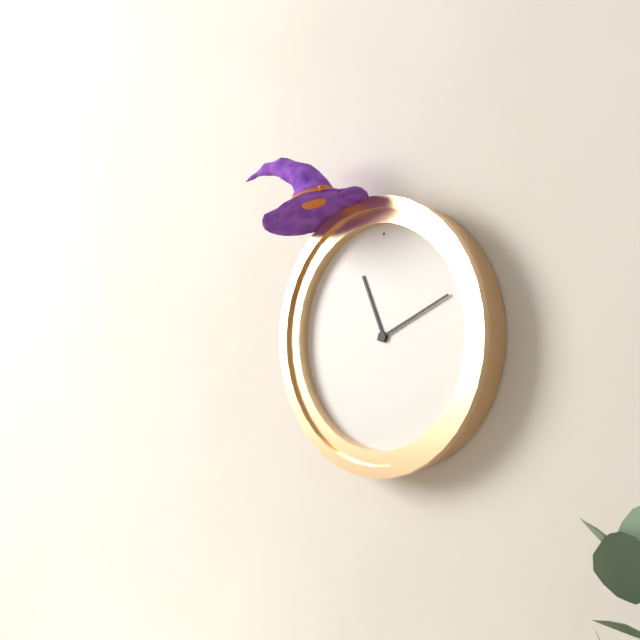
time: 11:11
